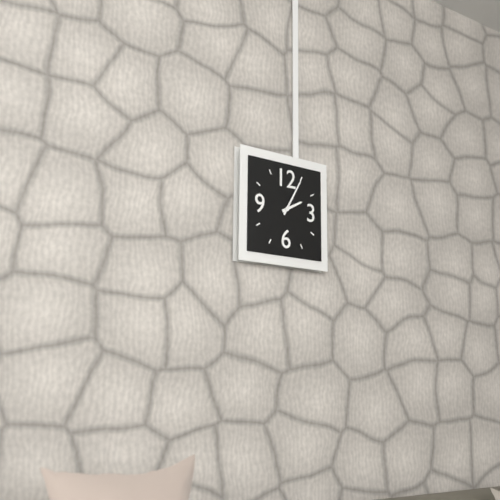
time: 2:05
